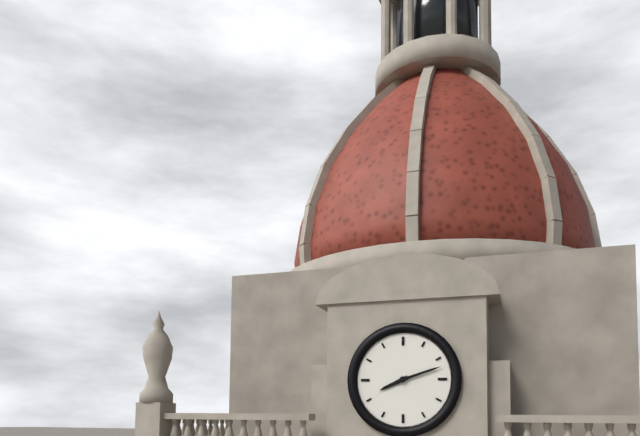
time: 8:12
